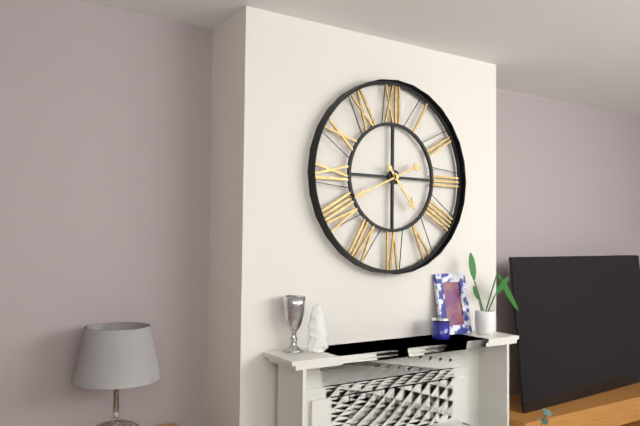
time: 4:41
